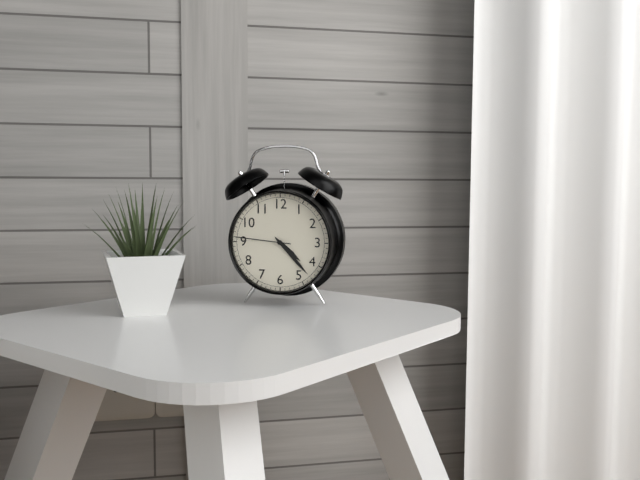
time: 4:23:46
